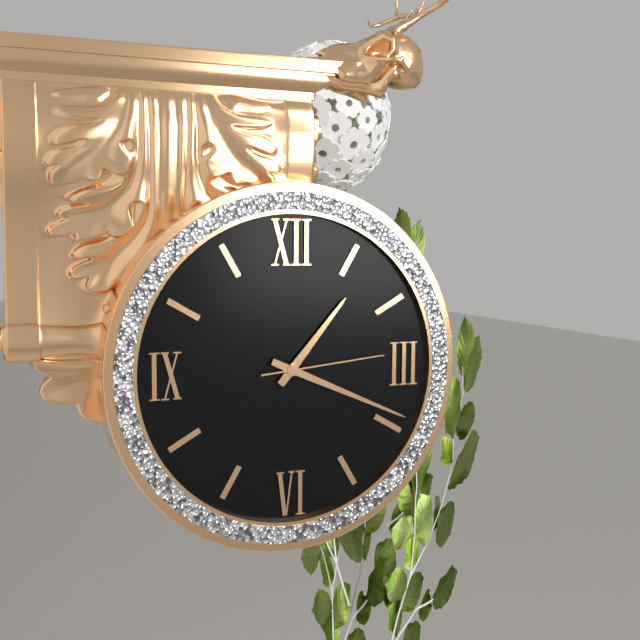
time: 1:19:14
